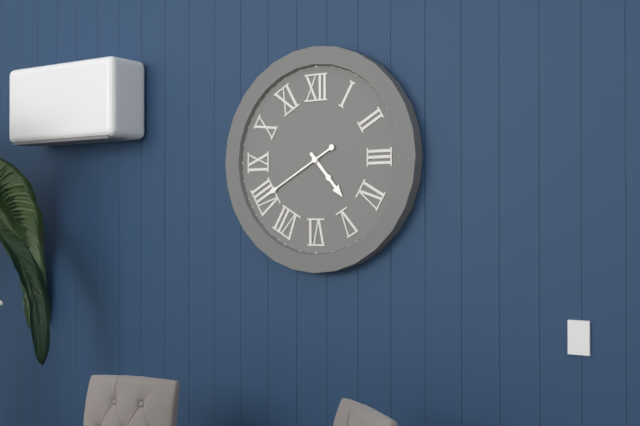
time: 4:40
